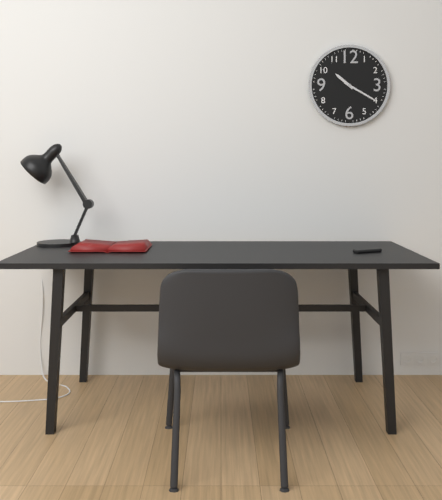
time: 10:20
